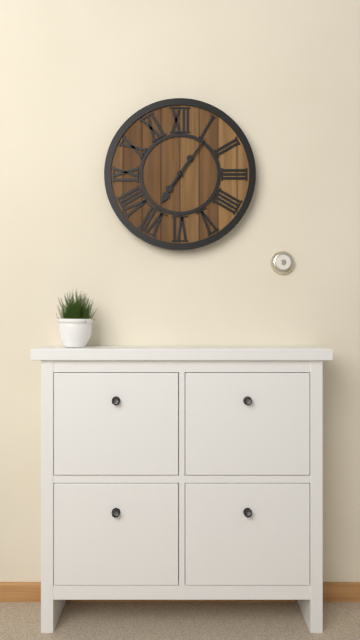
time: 7:06
